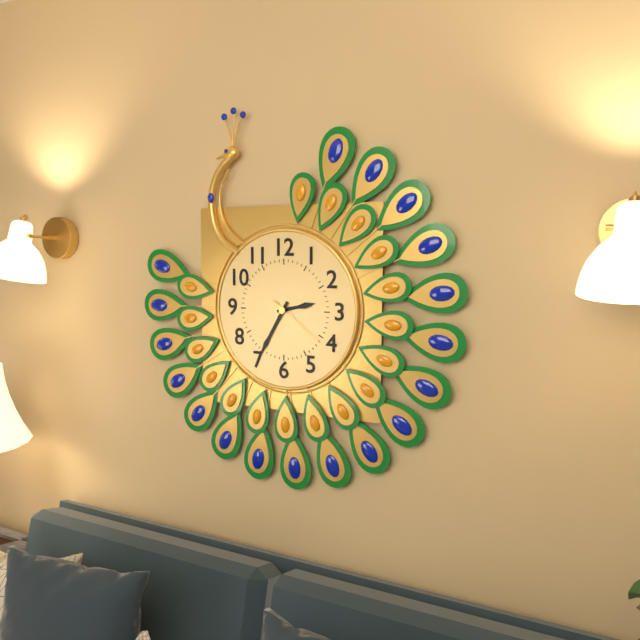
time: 2:35:21
